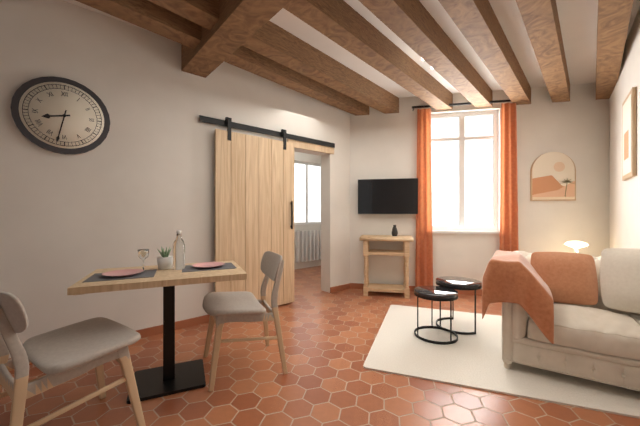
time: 8:32
